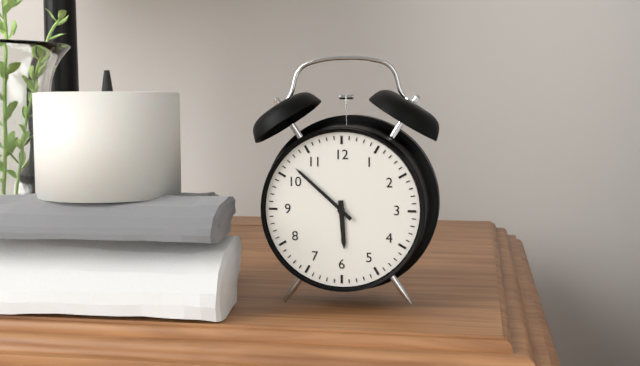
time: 5:52
